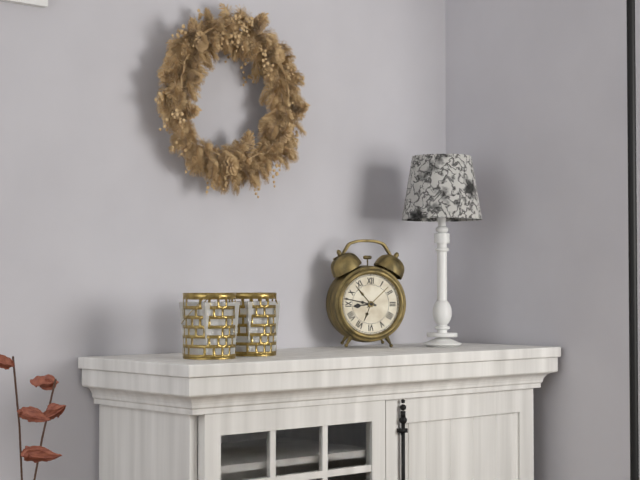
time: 8:47
